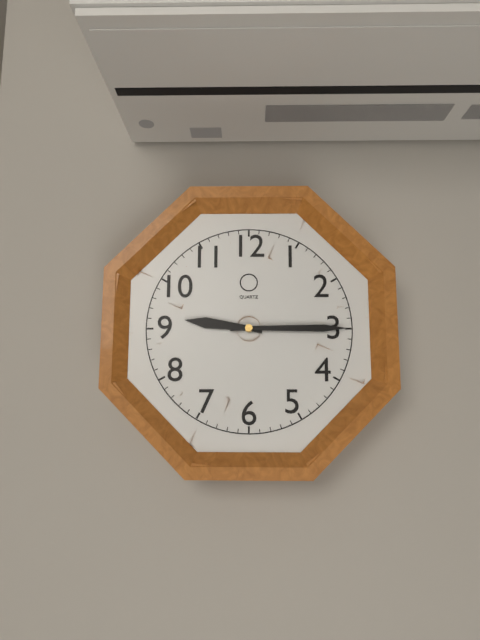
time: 9:15
